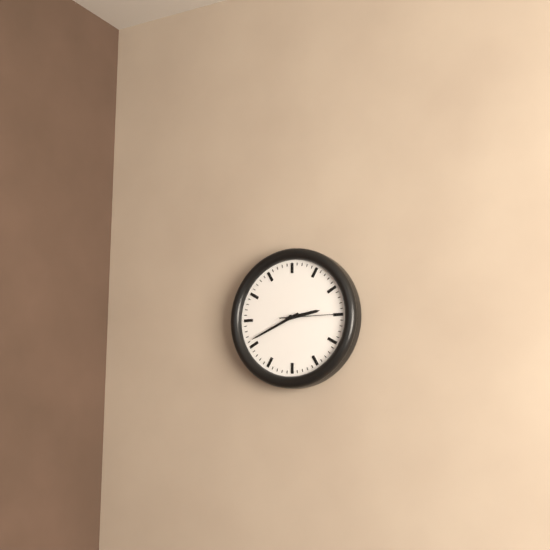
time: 2:41:15
